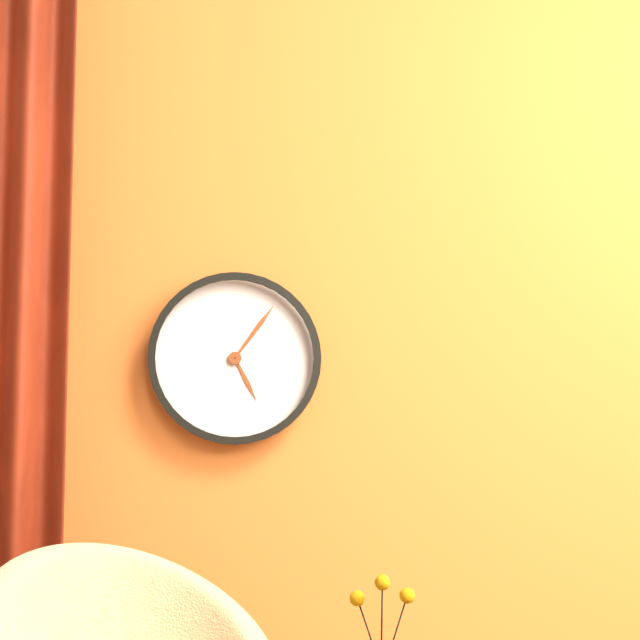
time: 5:06
